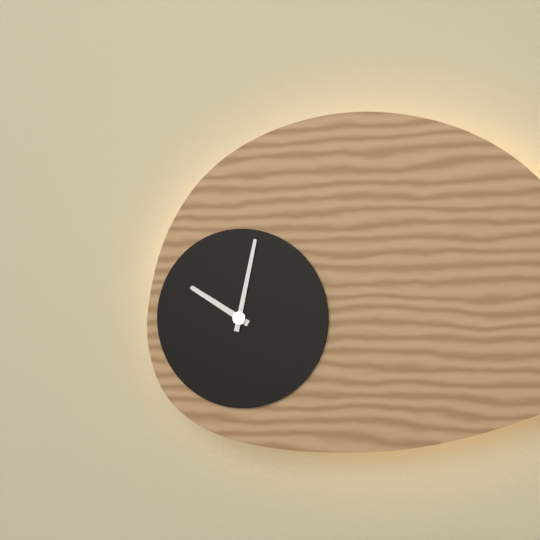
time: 10:02
